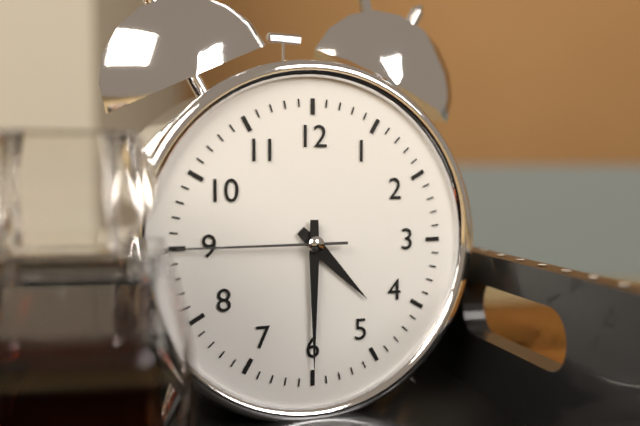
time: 4:30:45
